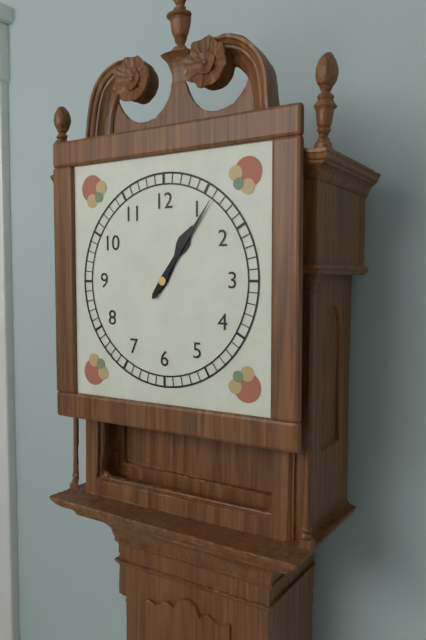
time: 1:06
